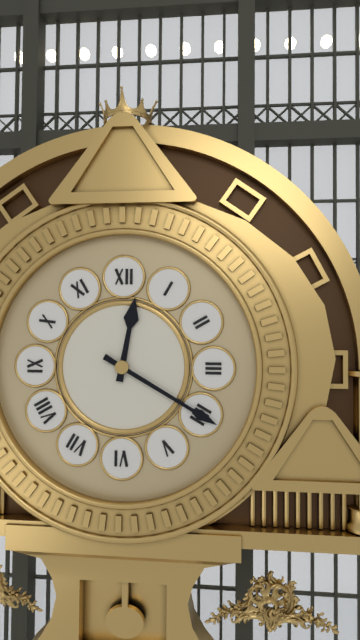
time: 12:20
